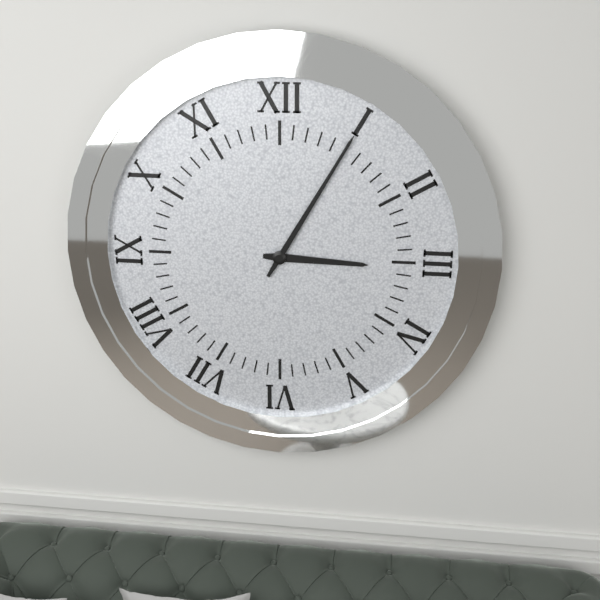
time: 3:05
